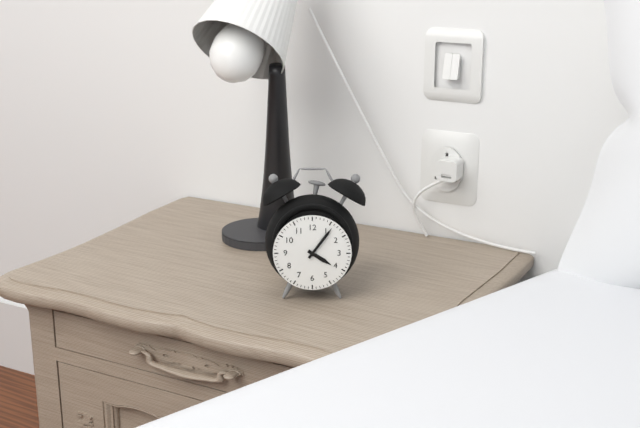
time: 4:06
